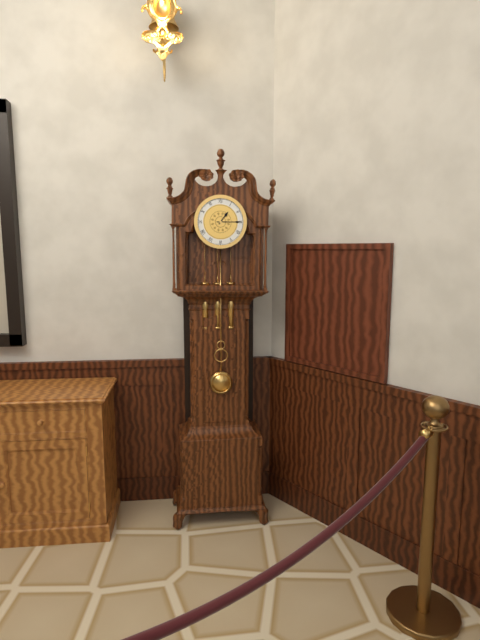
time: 1:15
